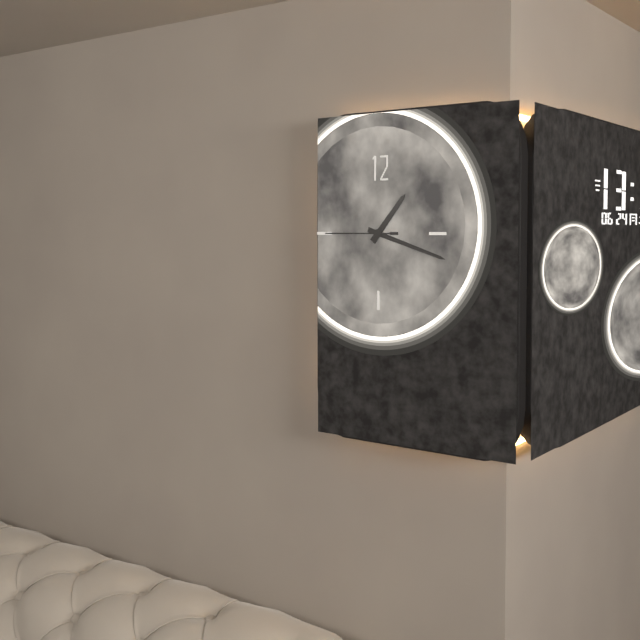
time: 1:18:45
